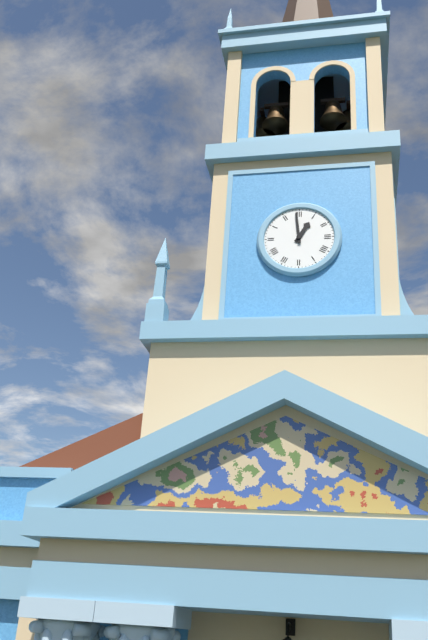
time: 12:59
